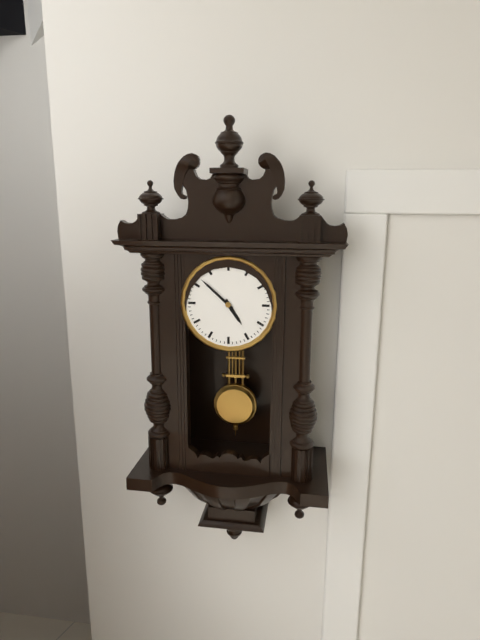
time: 4:52
